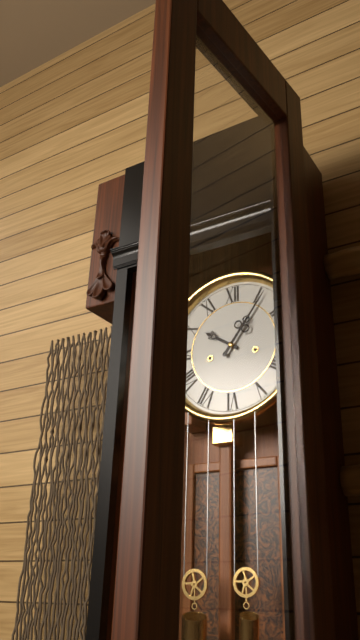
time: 10:06
